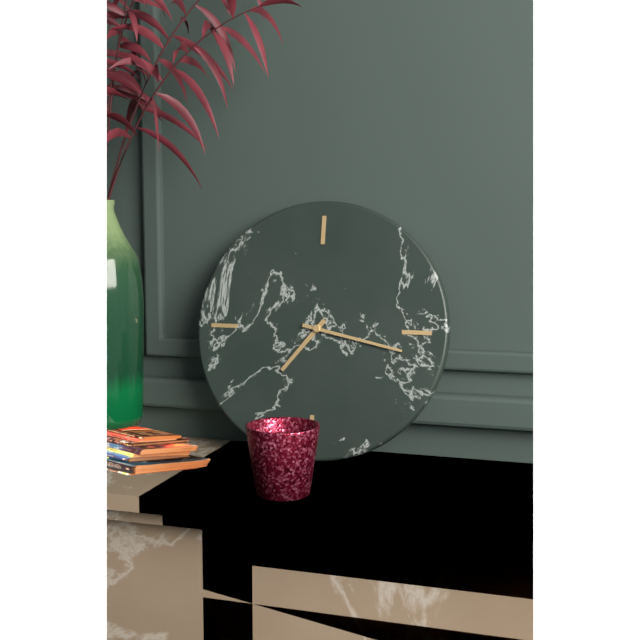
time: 7:17
